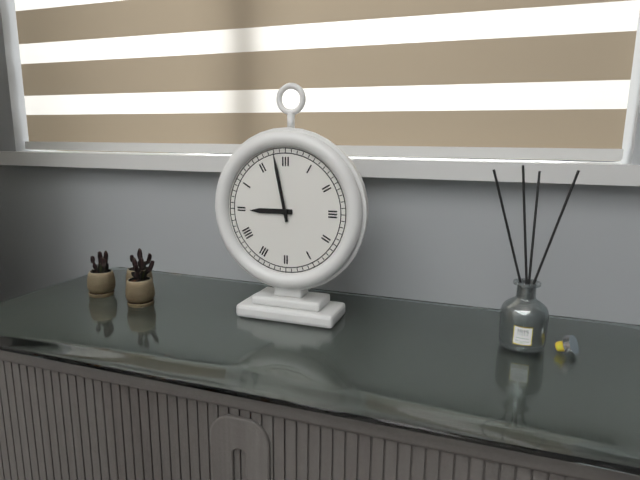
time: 8:58
